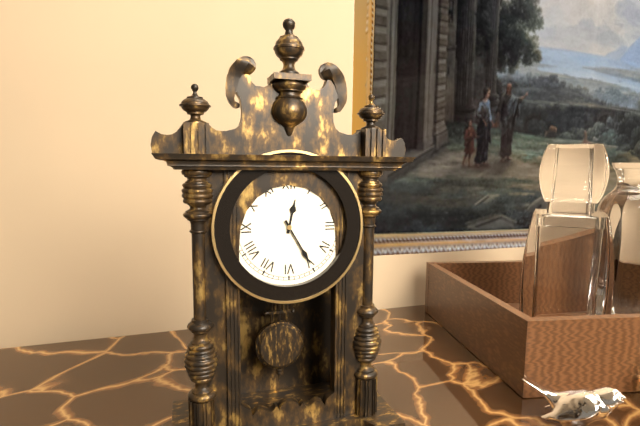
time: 12:25
